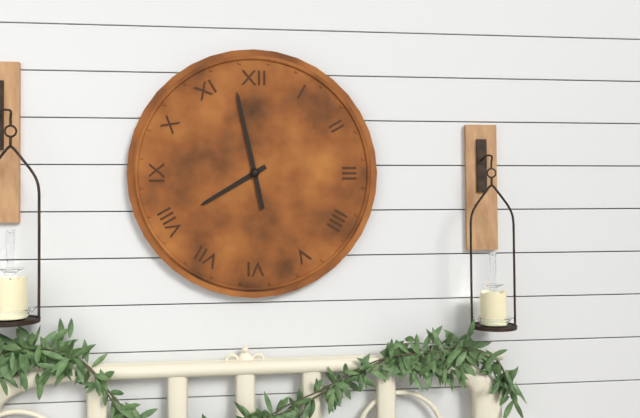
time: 7:58
